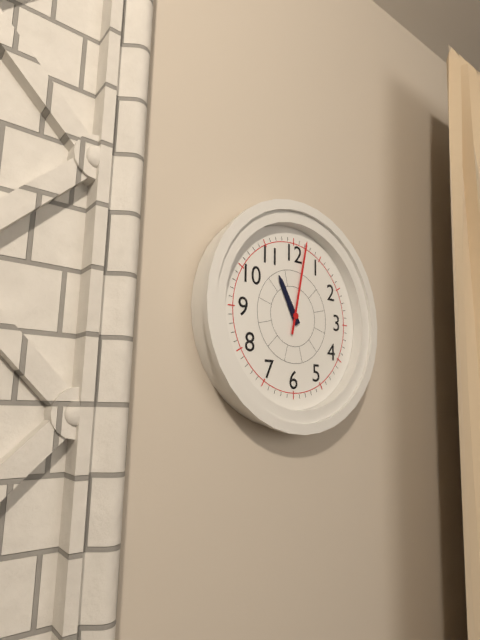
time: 11:02
